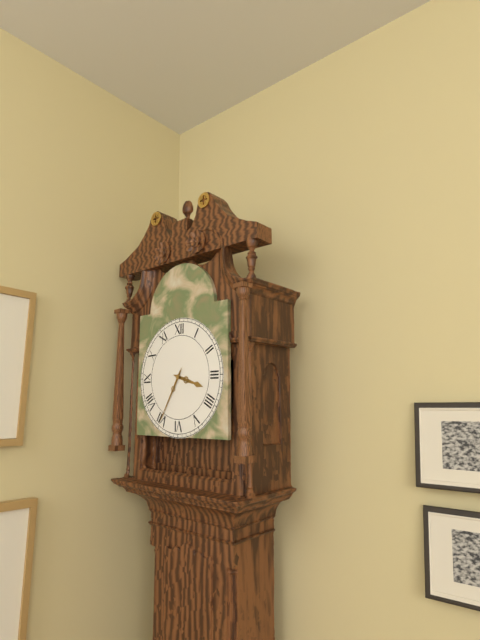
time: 3:35
